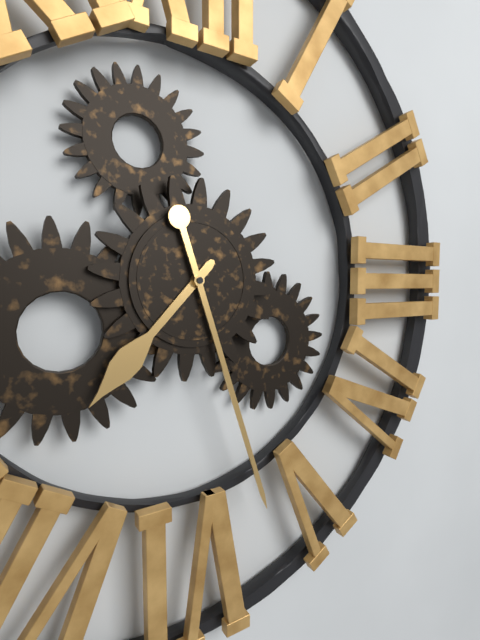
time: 7:27
